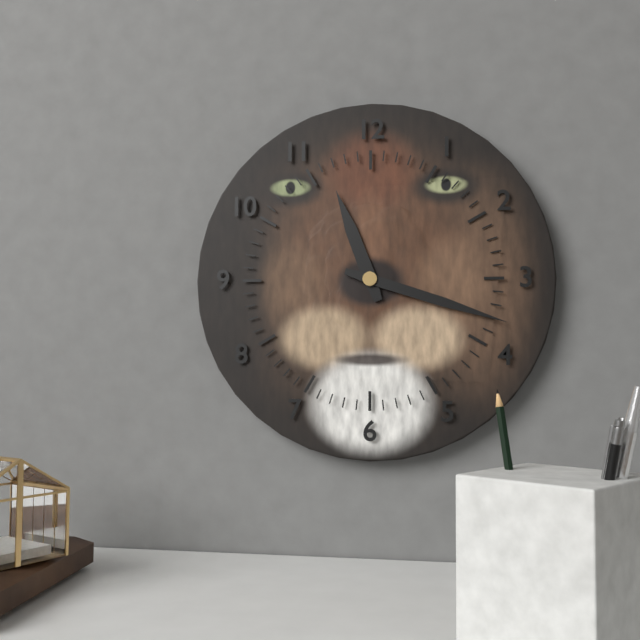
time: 11:18
